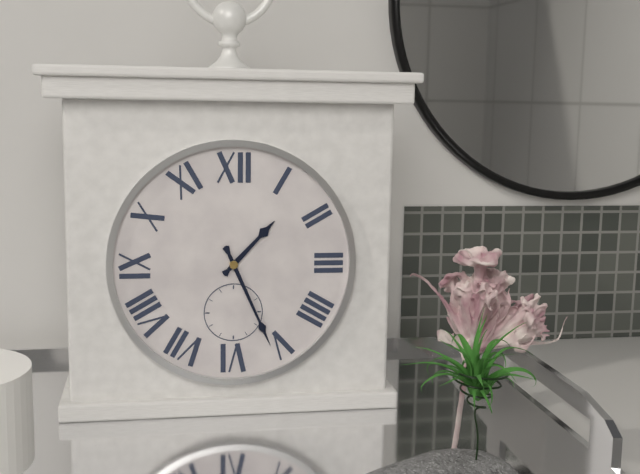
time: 1:26
